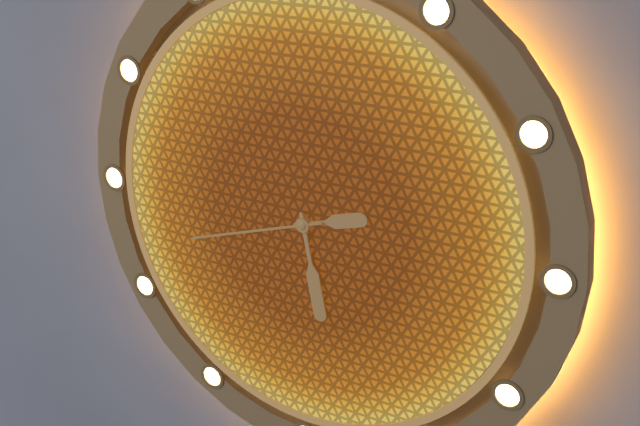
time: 2:28:42
